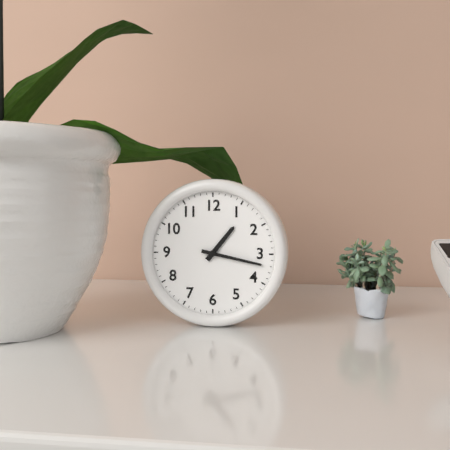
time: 1:17
